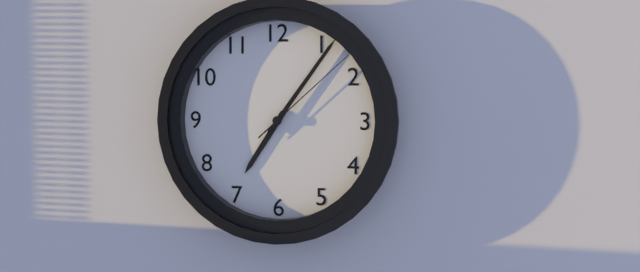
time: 7:06:08
